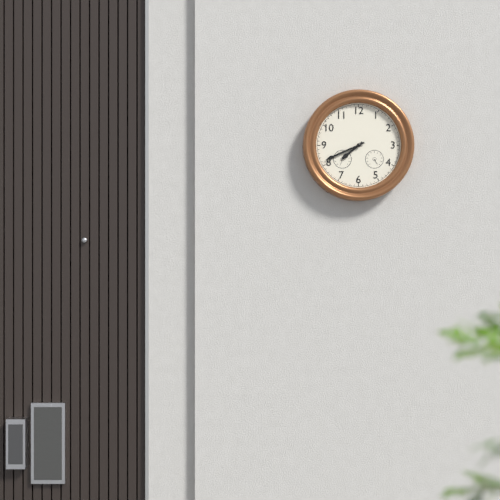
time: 7:41
